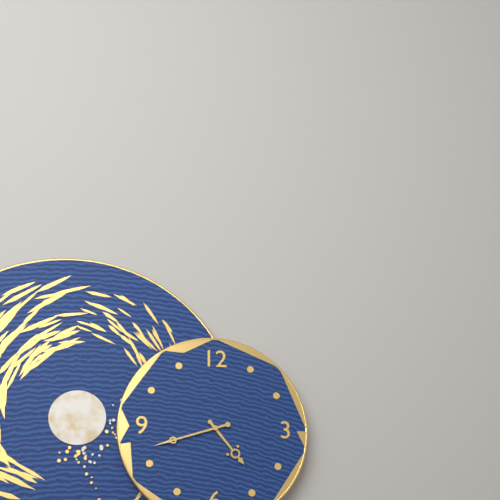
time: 4:42
